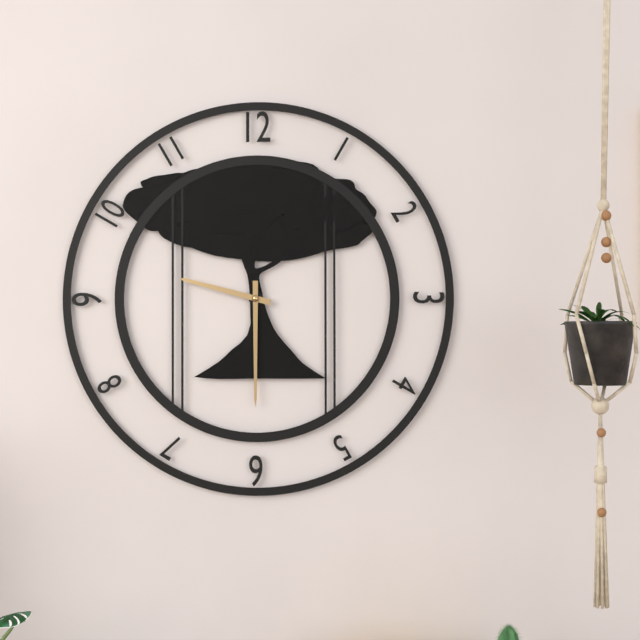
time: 9:30
